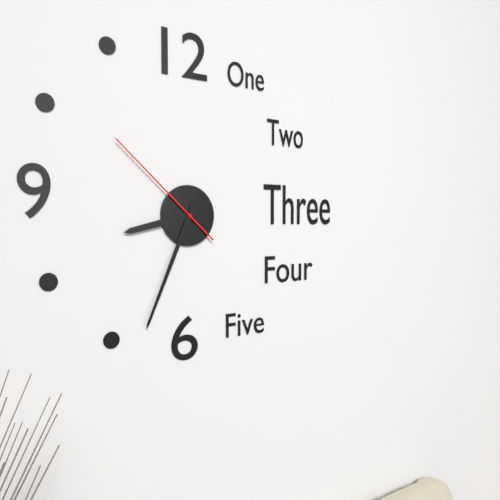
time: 8:34:52
